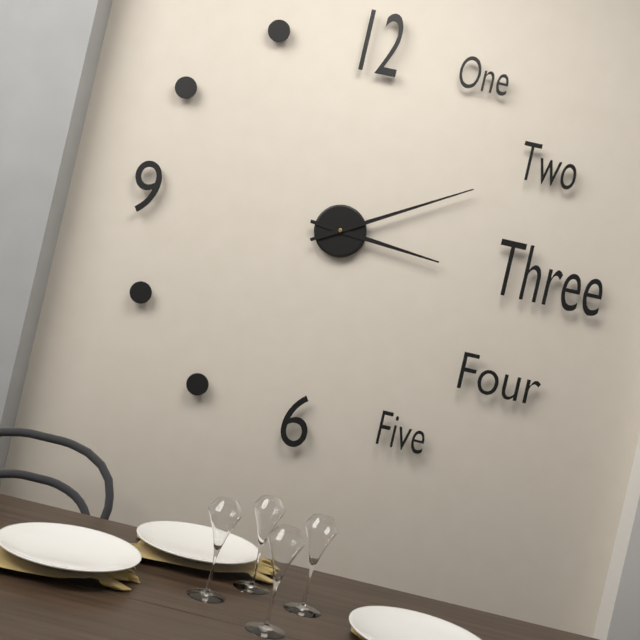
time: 3:10
